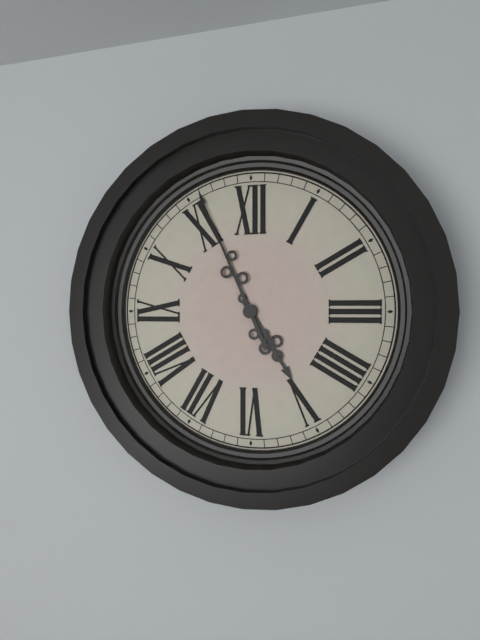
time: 4:56
